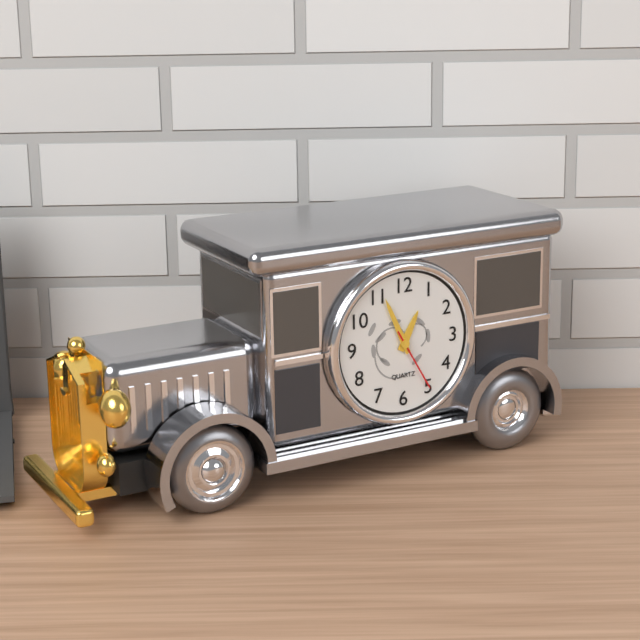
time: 12:56:25
